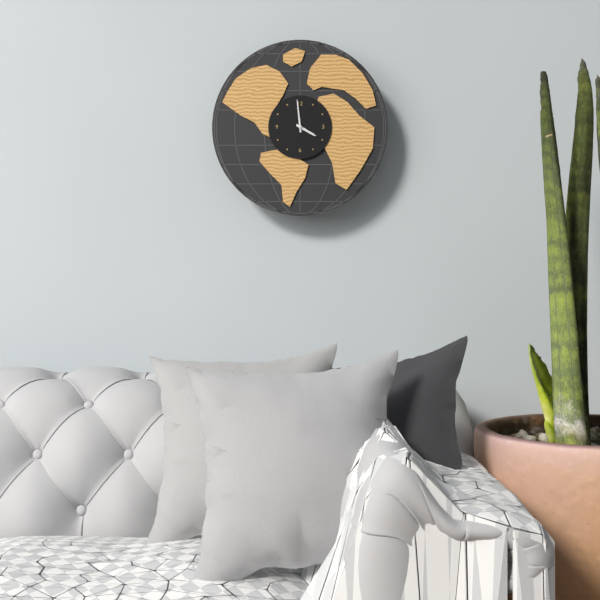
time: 3:59
